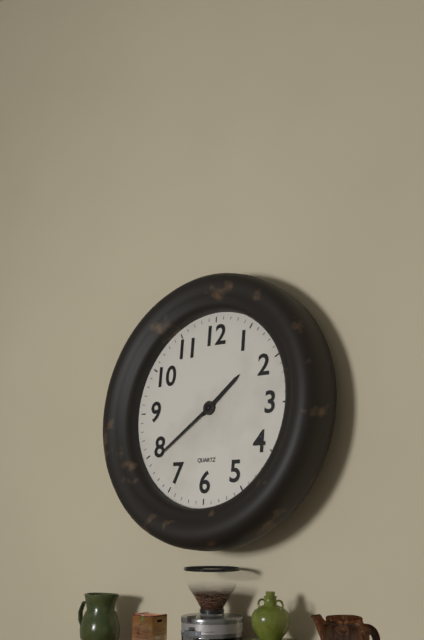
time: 1:39
